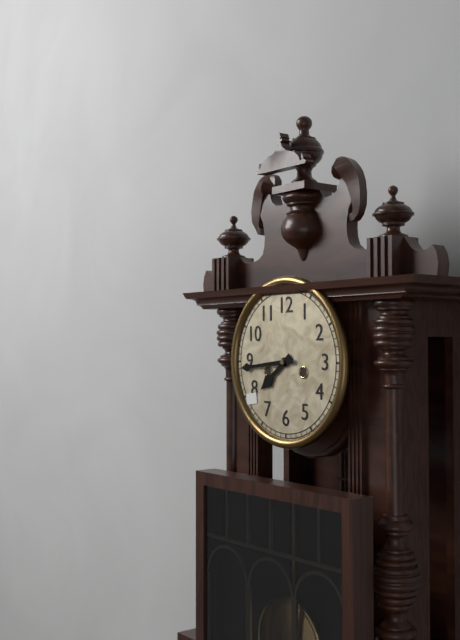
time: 7:44
